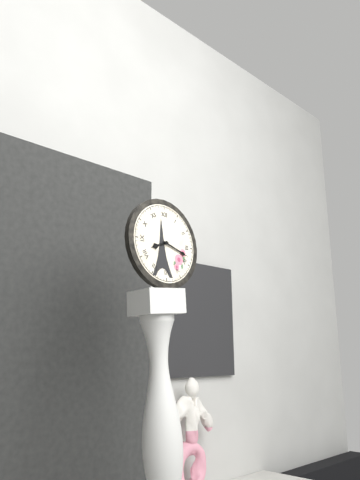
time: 8:18
